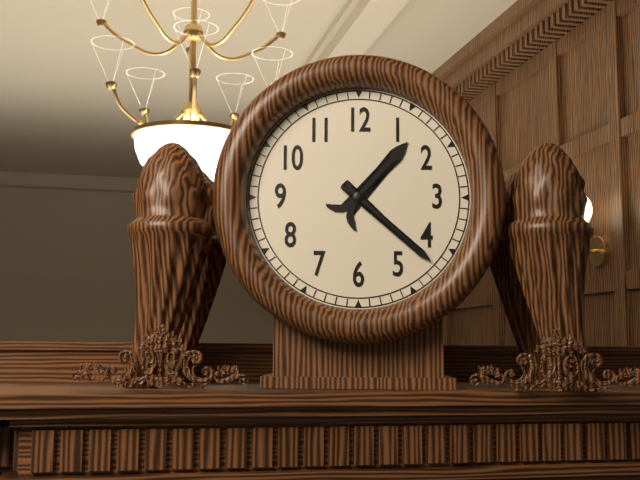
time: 1:22
